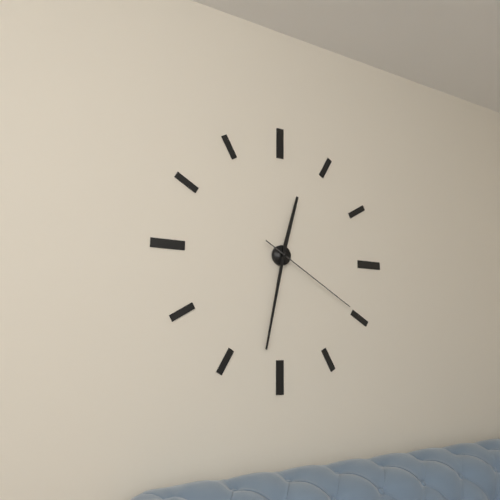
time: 12:32:20
